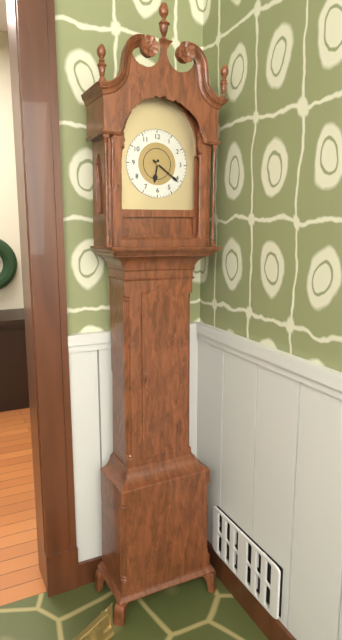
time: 6:21
